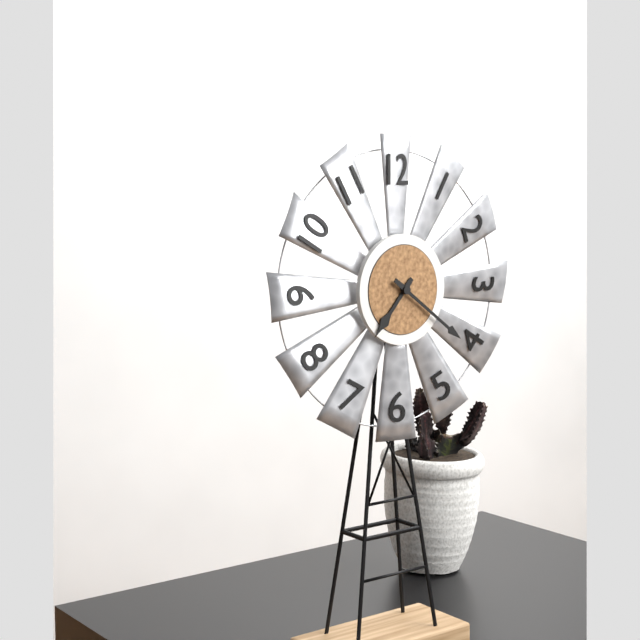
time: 7:21
